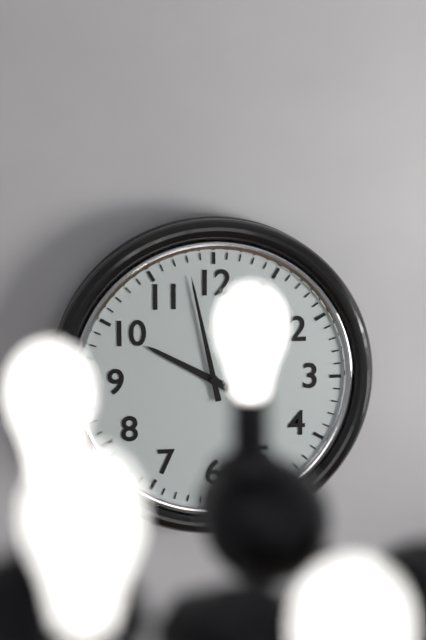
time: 9:58
